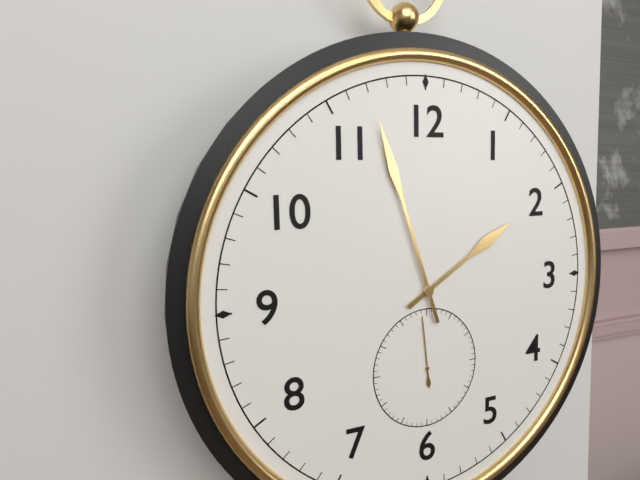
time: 1:57:59
